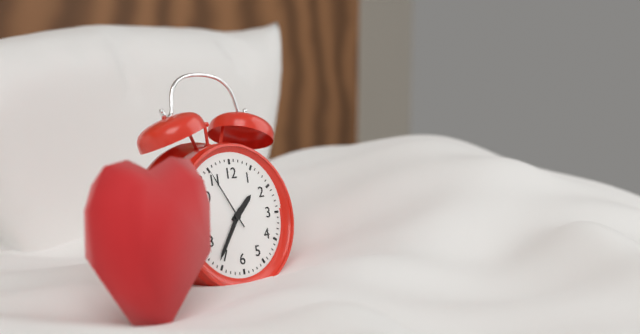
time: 1:36:55
